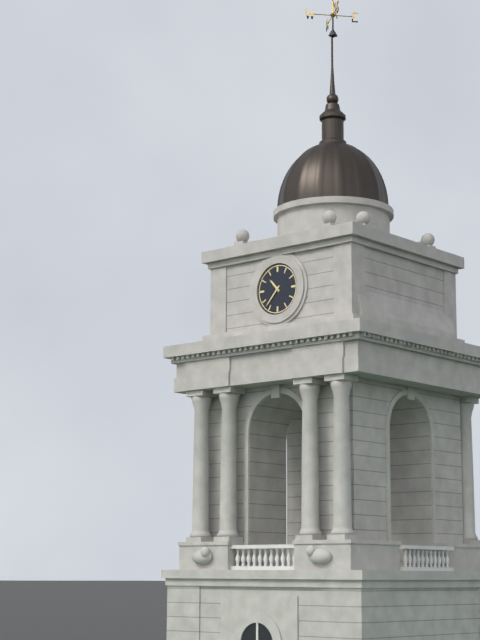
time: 10:37
